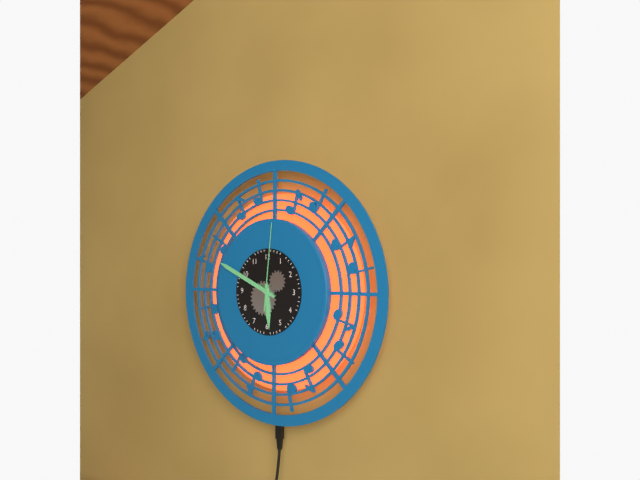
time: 5:49:01
